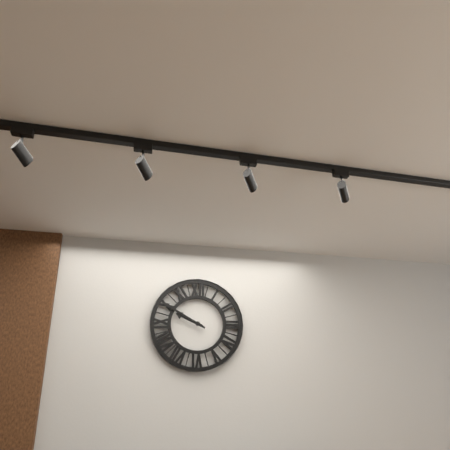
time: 9:50
